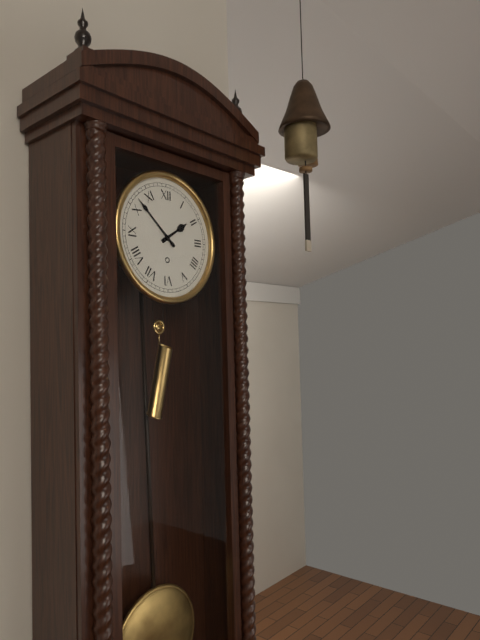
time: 1:52
